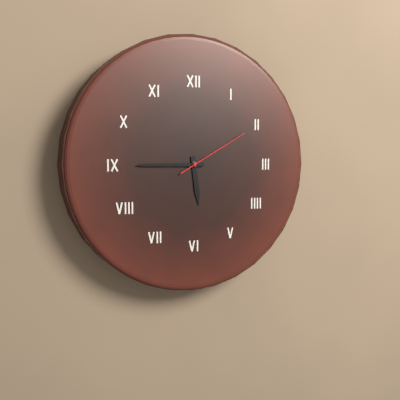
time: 5:45:10
